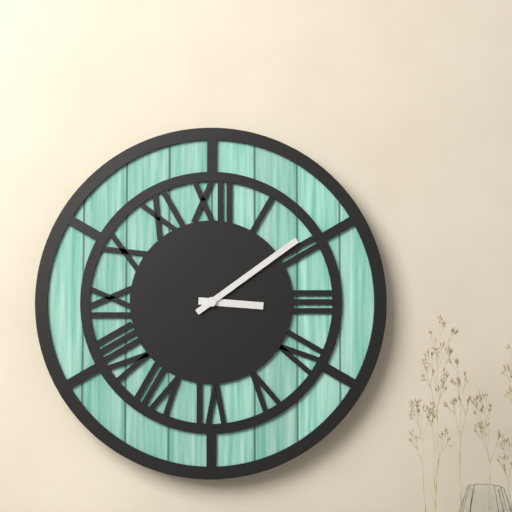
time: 3:09
